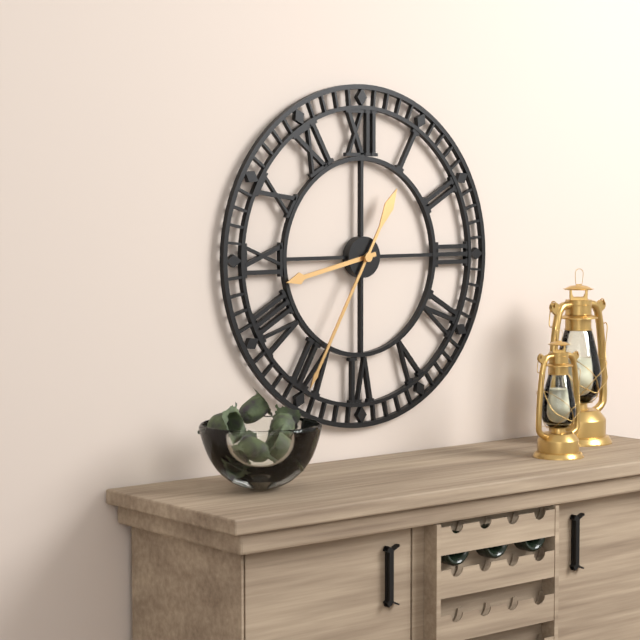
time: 8:35
